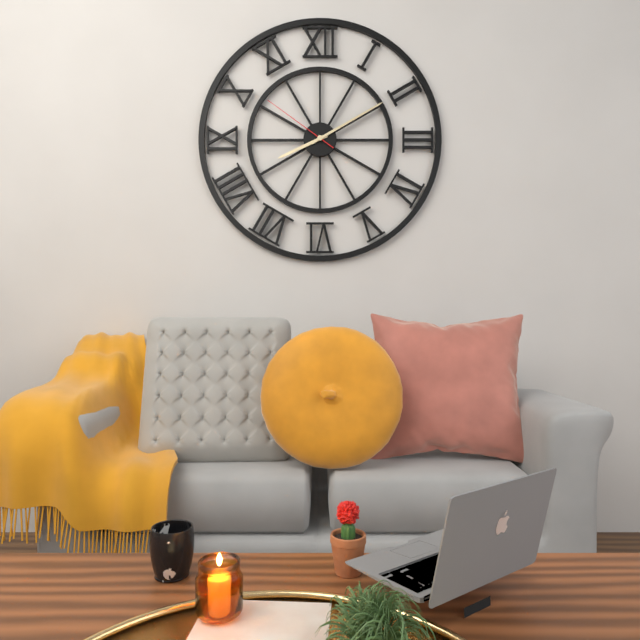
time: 8:10:51
